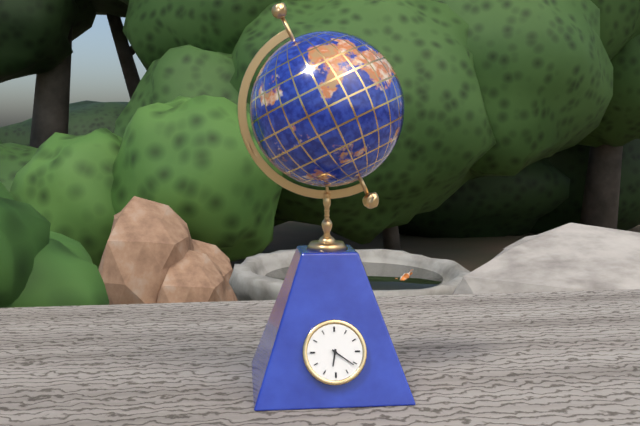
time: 6:21
